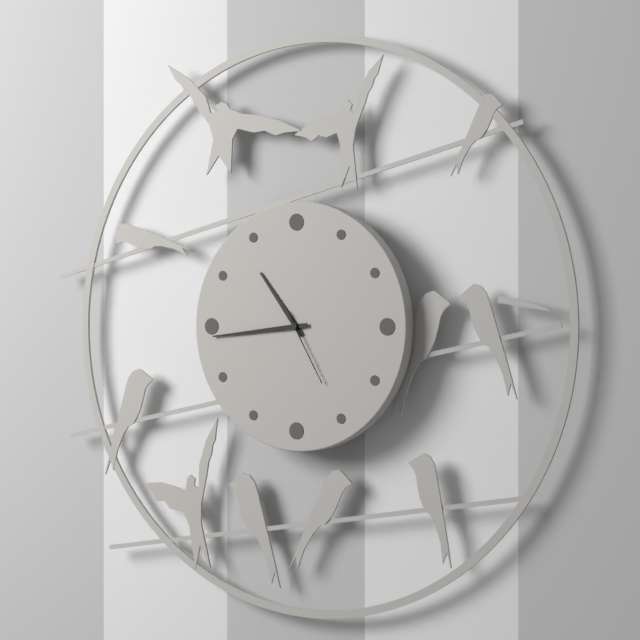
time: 10:44:25
